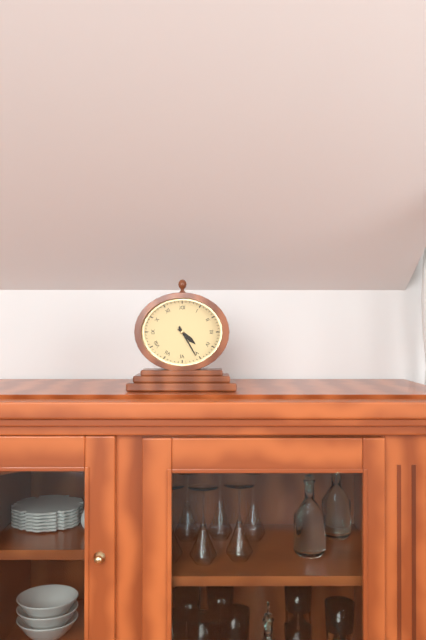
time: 4:25
